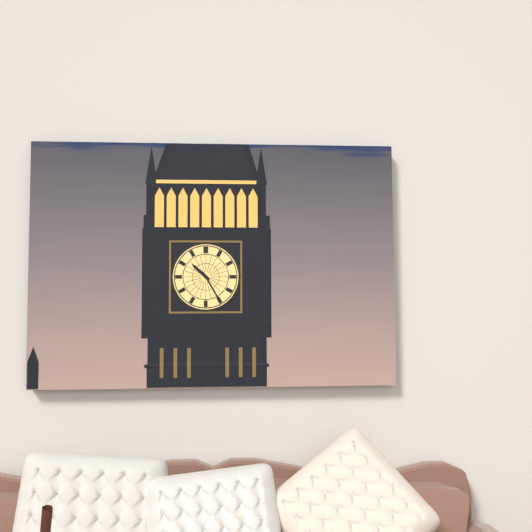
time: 10:25
